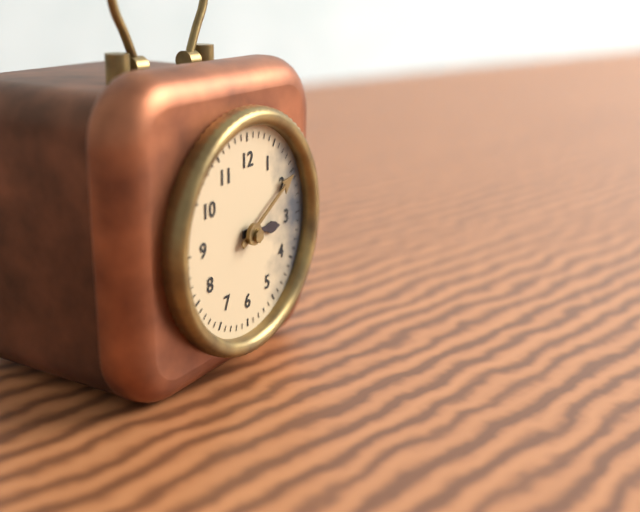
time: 3:10
